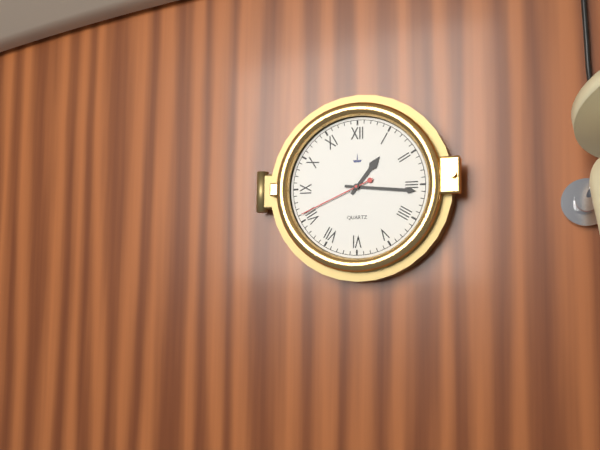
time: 1:16:41
